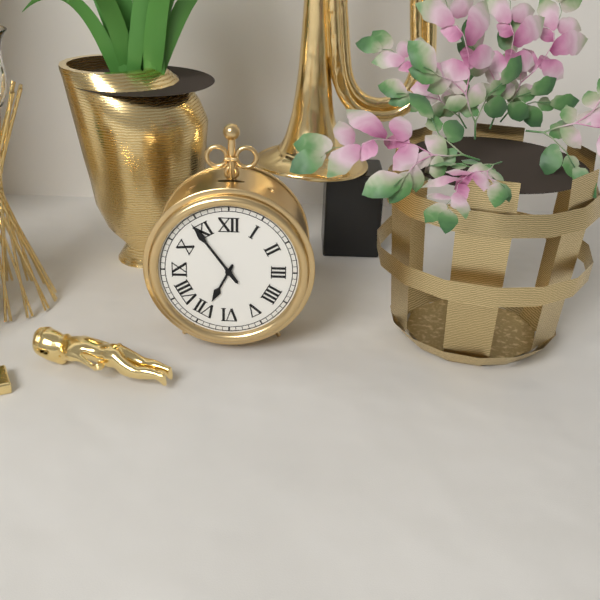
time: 6:54
